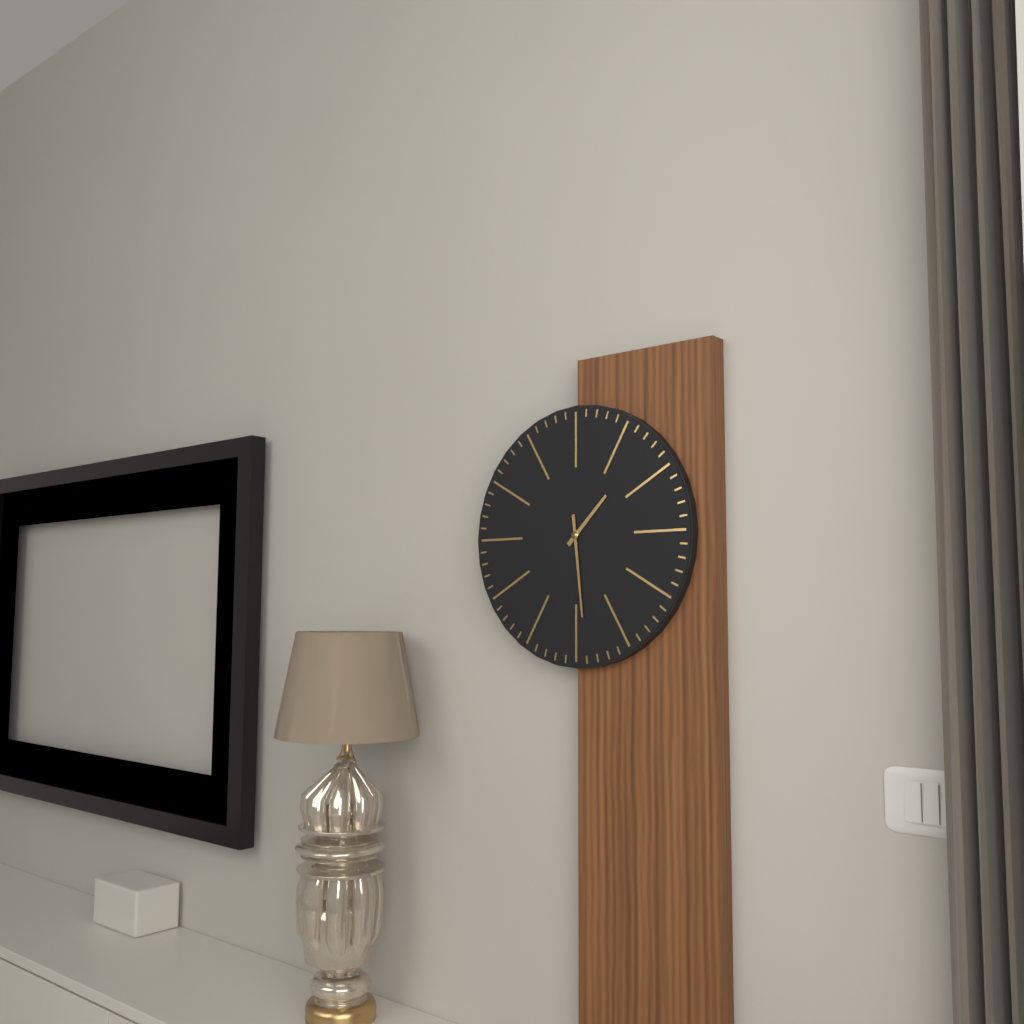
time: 1:29
